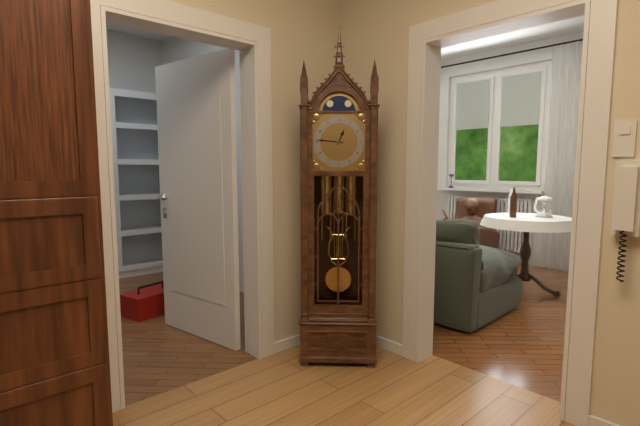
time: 12:46
